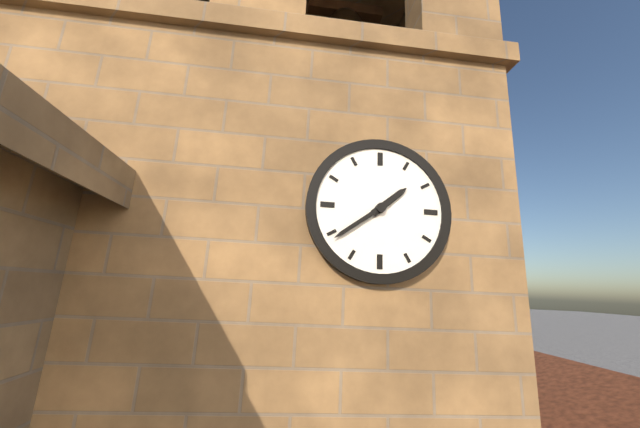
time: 1:39
